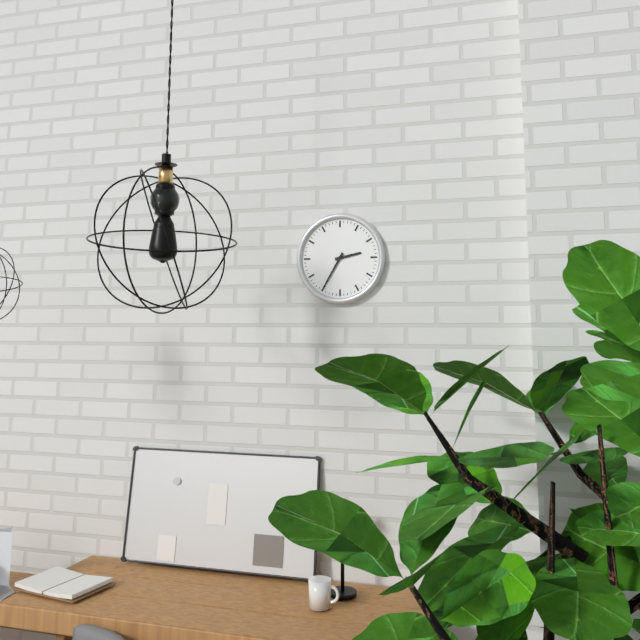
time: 2:35
